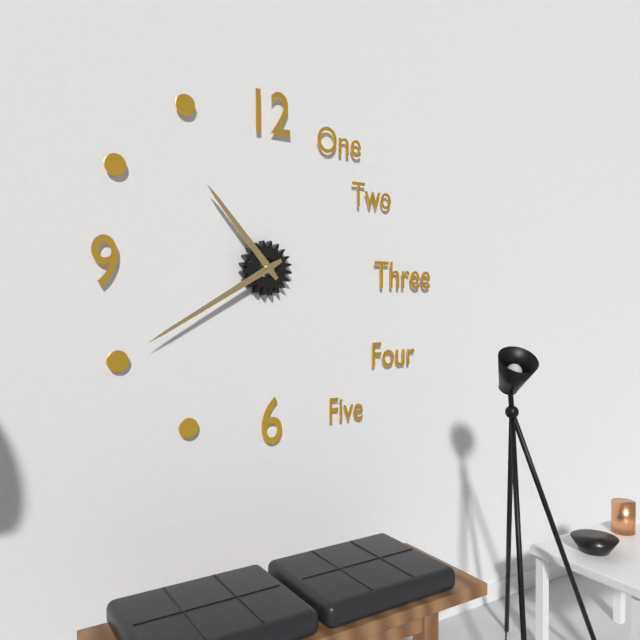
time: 10:40
